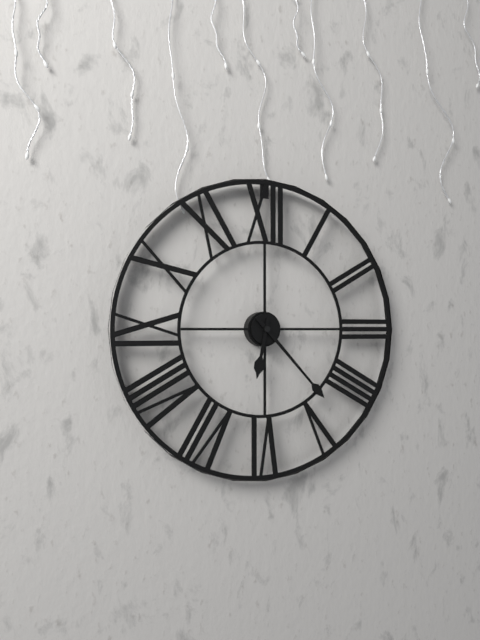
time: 6:23
